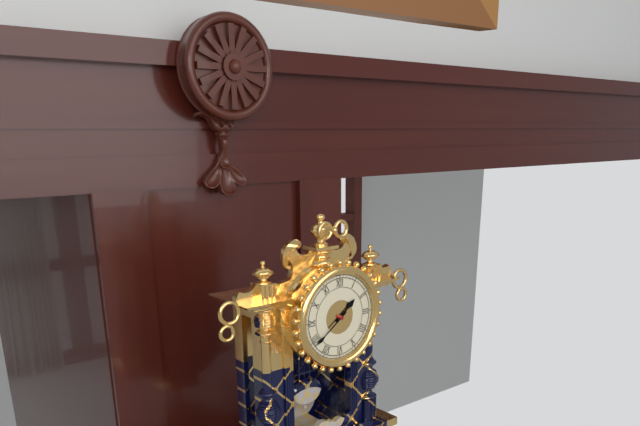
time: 1:39
